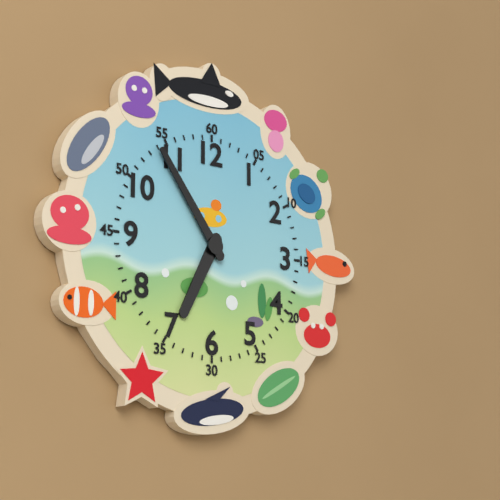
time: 6:54
